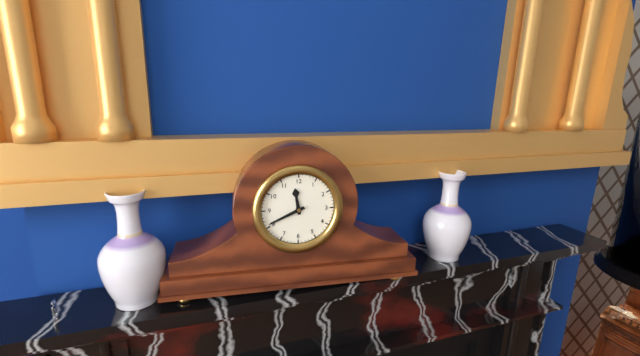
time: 11:41
